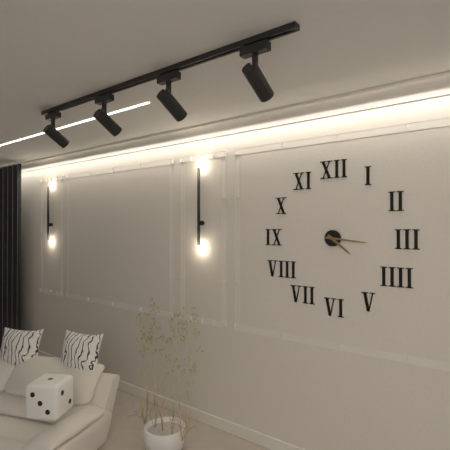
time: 4:16
